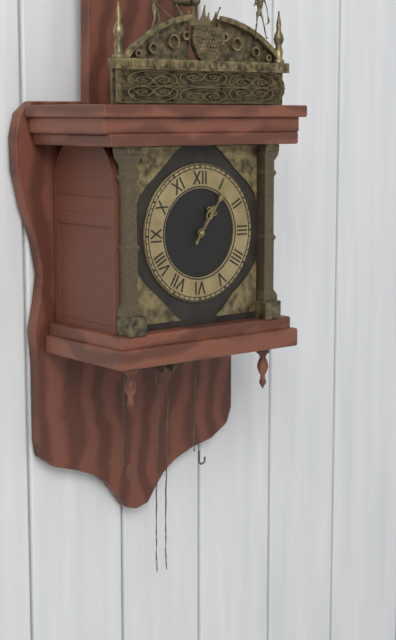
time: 1:06
